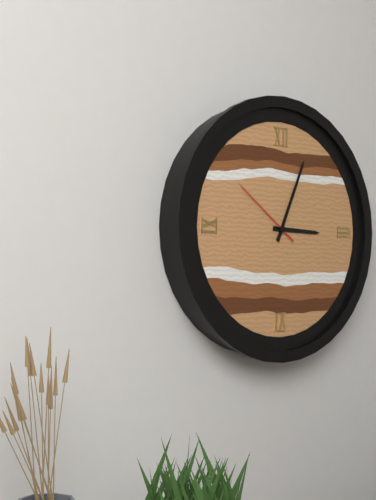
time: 3:04:51
